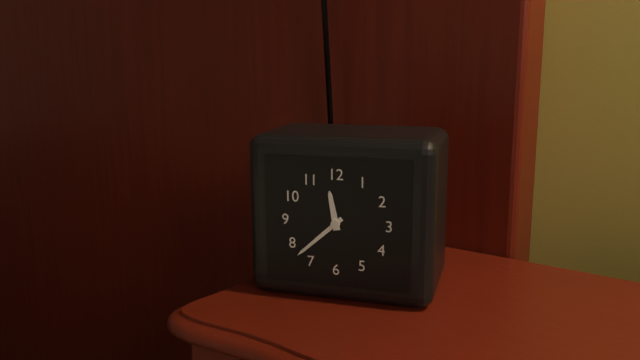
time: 11:38
